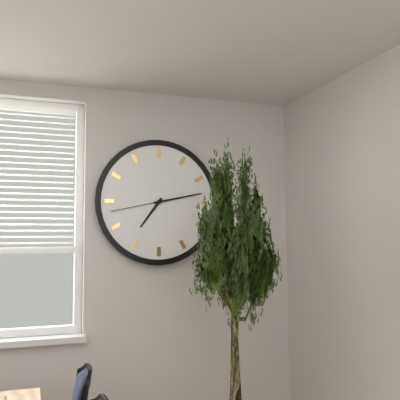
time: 7:13:43
